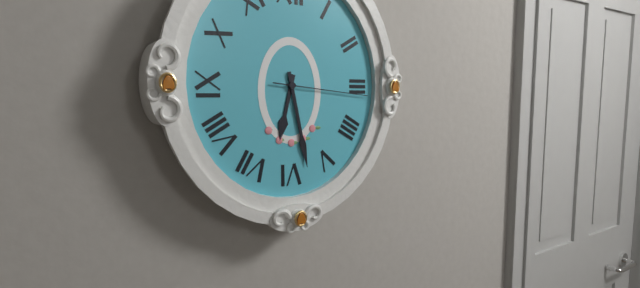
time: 6:28:16
